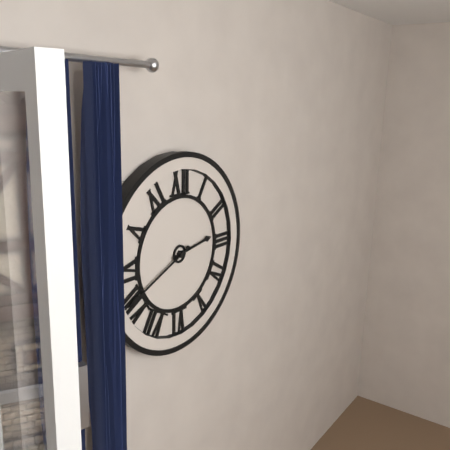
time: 2:41
